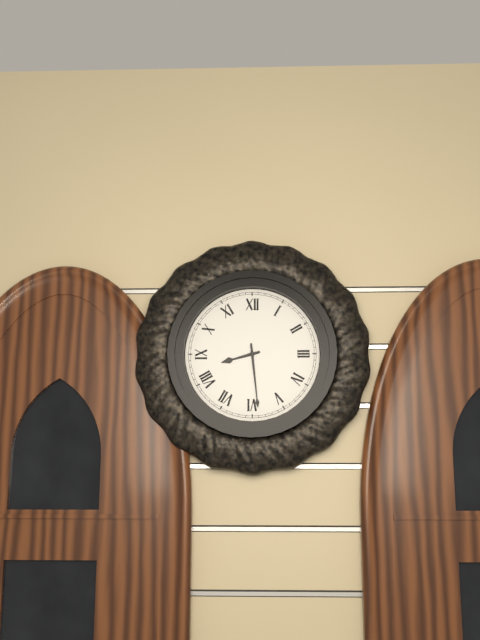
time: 8:29
